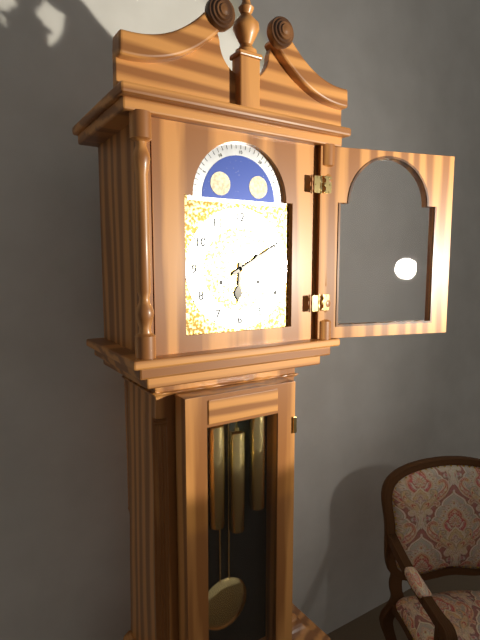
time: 6:10
